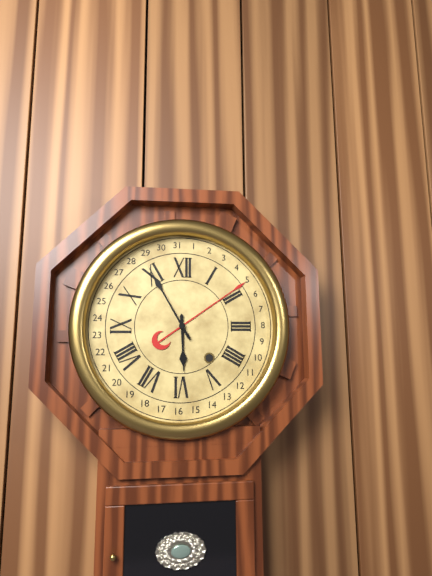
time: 5:55
